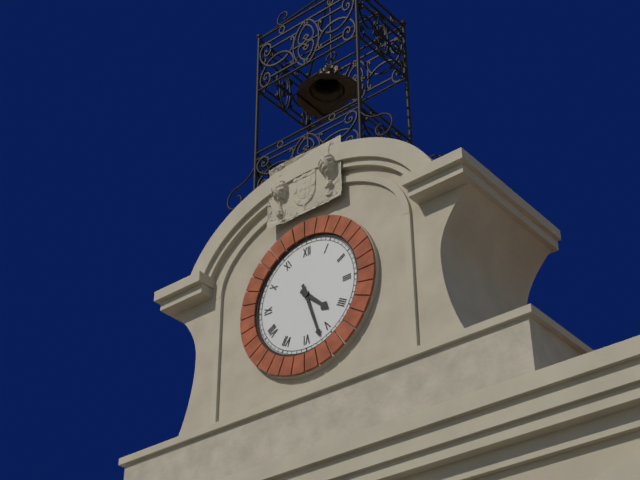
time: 4:27
